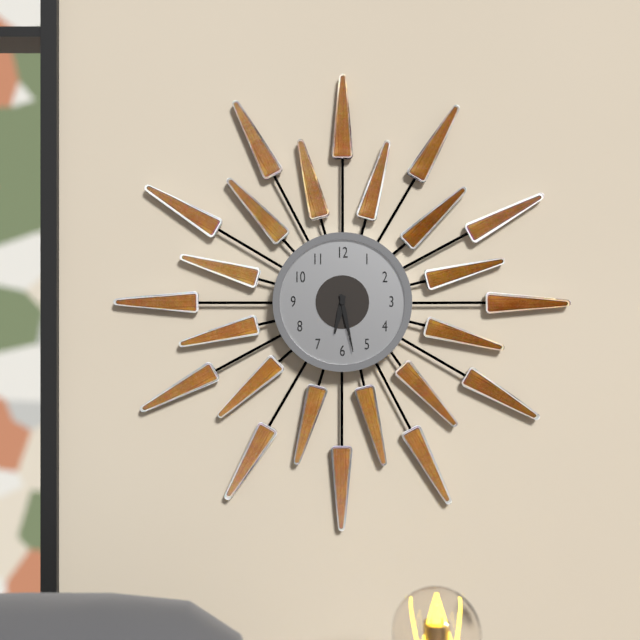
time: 6:28
